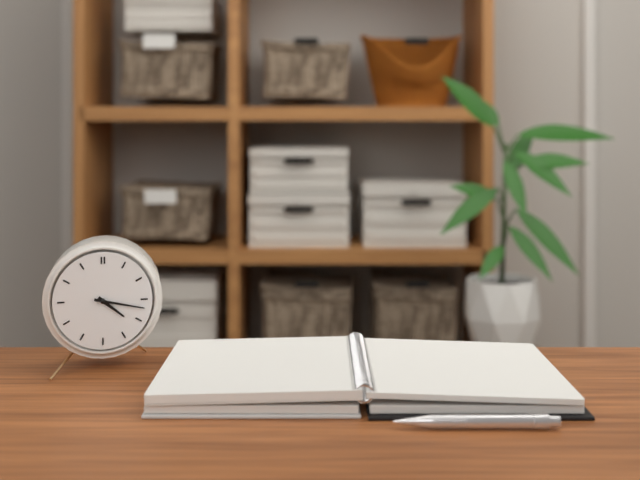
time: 4:17
